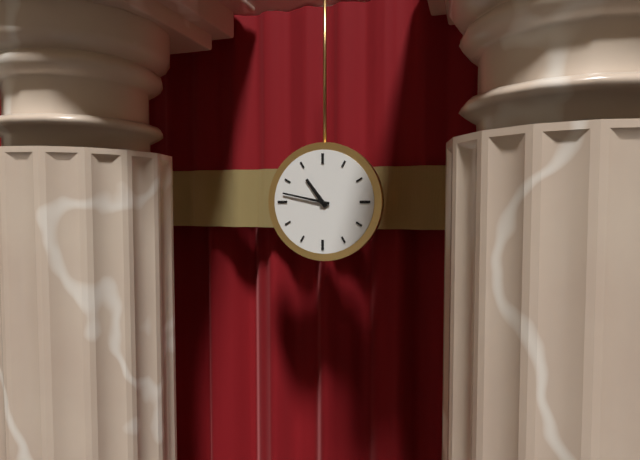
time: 10:47
